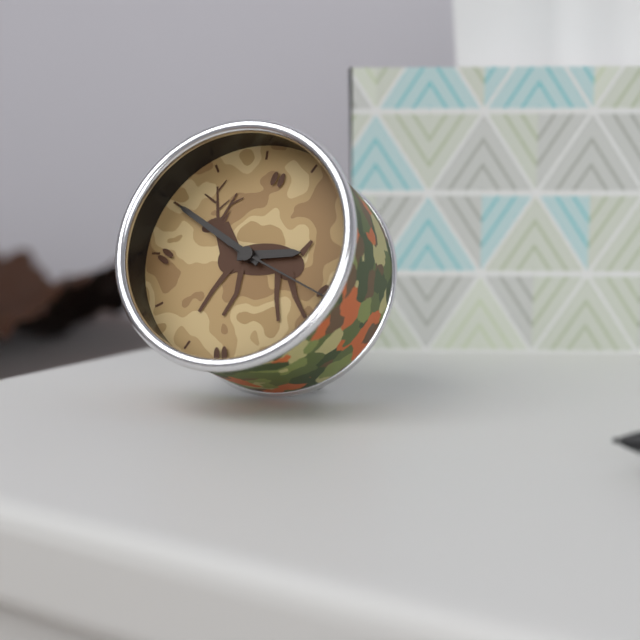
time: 2:50:19
